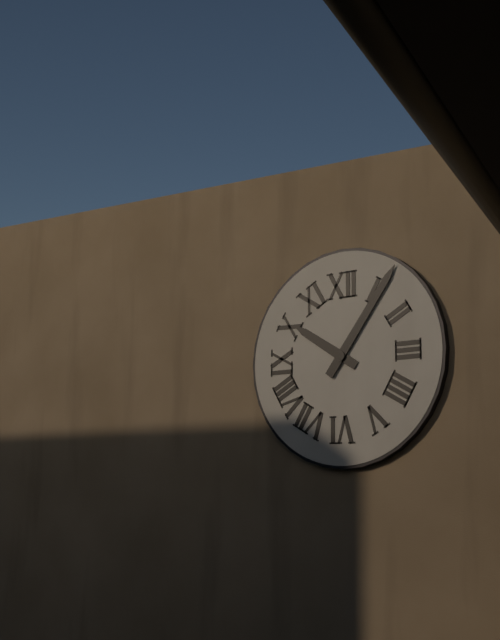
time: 10:06
